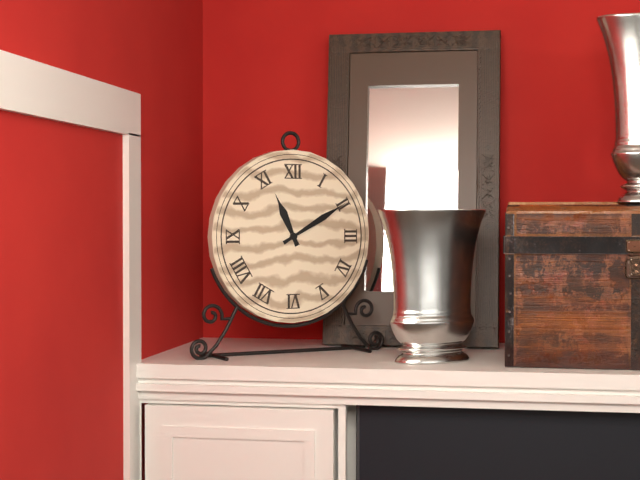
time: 11:10
